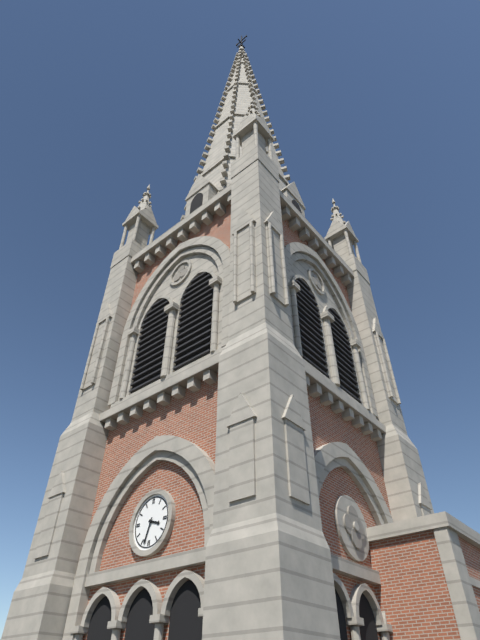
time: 3:33
